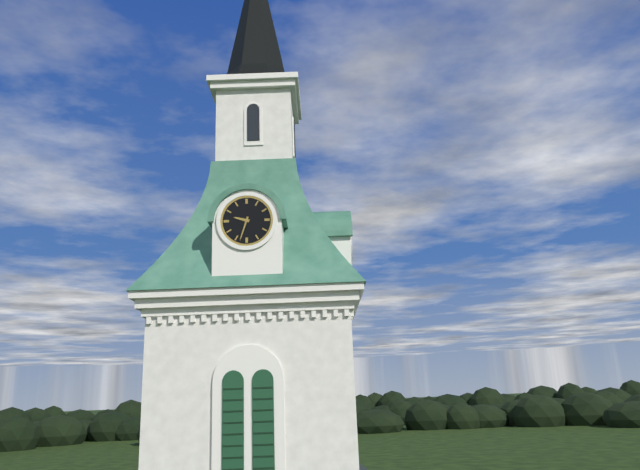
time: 9:33
